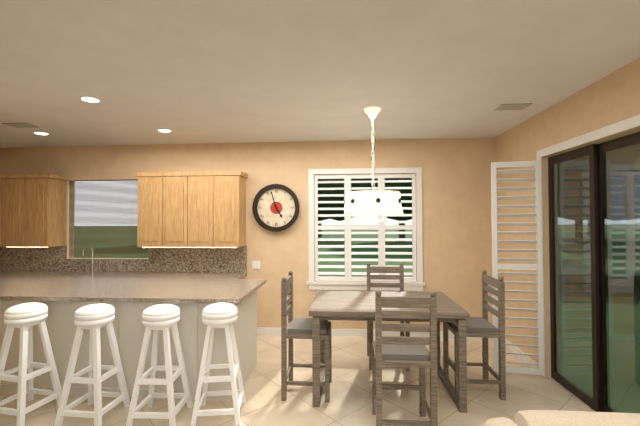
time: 4:57
